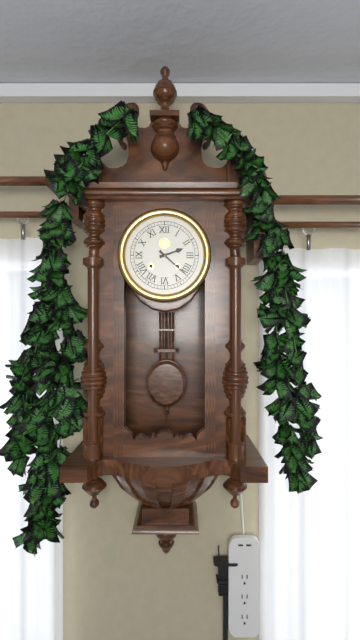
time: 2:22
